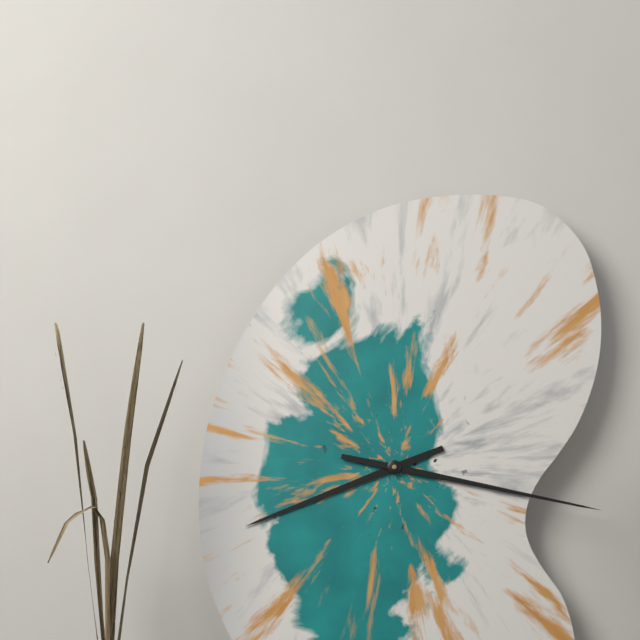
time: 8:17
